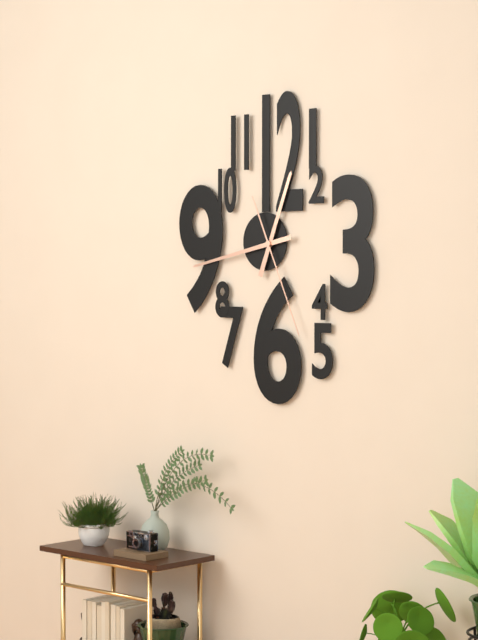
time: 12:43:26
